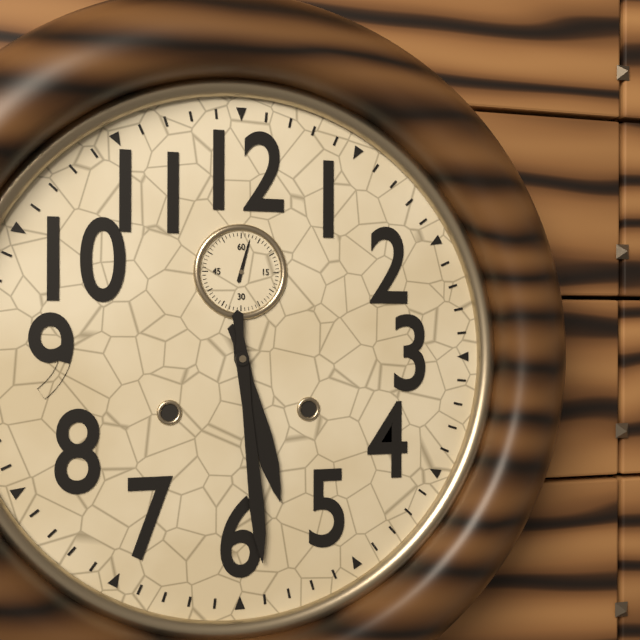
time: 5:29
